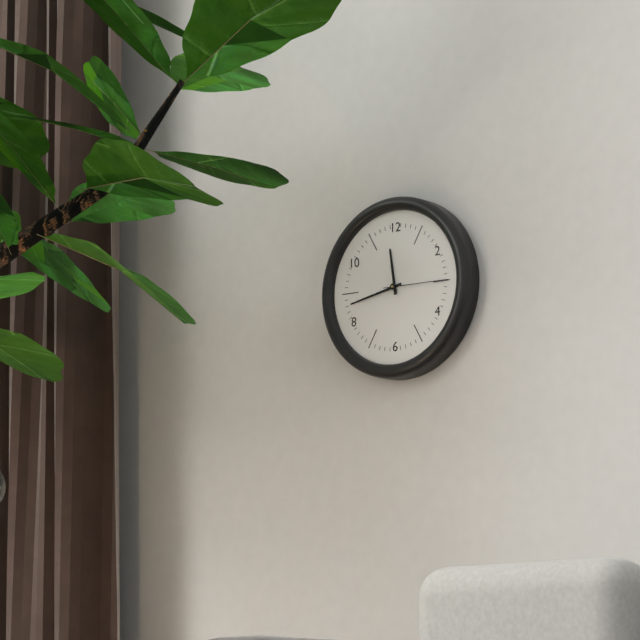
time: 11:43:15
